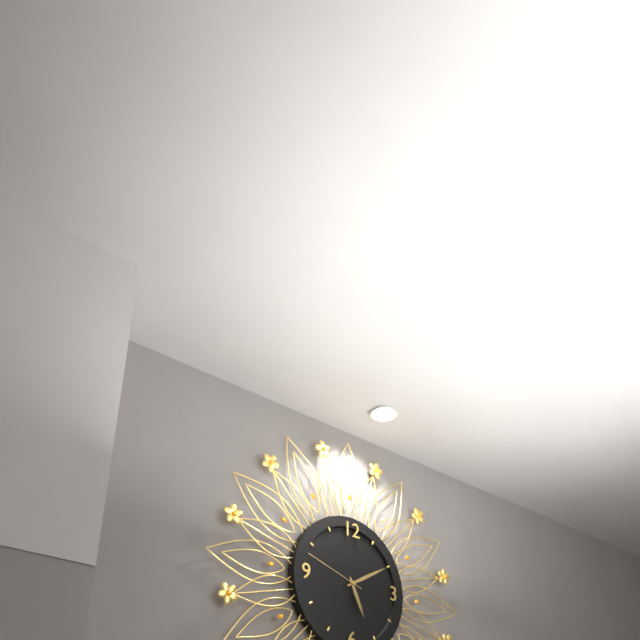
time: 5:10:48
